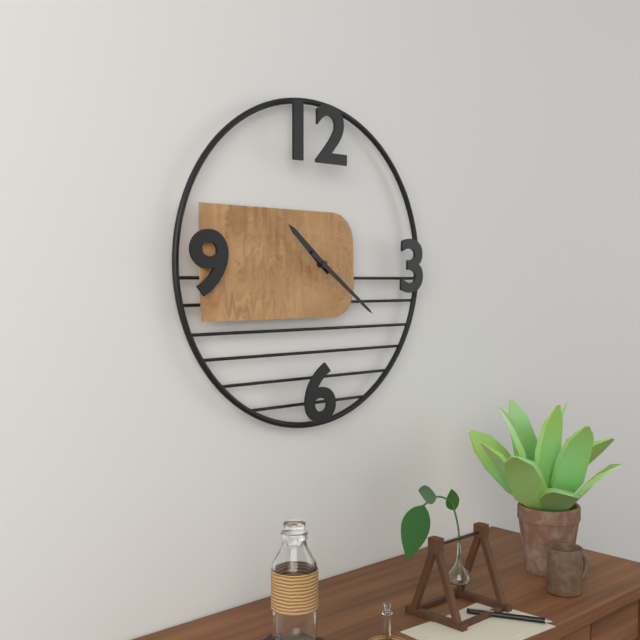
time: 10:21
